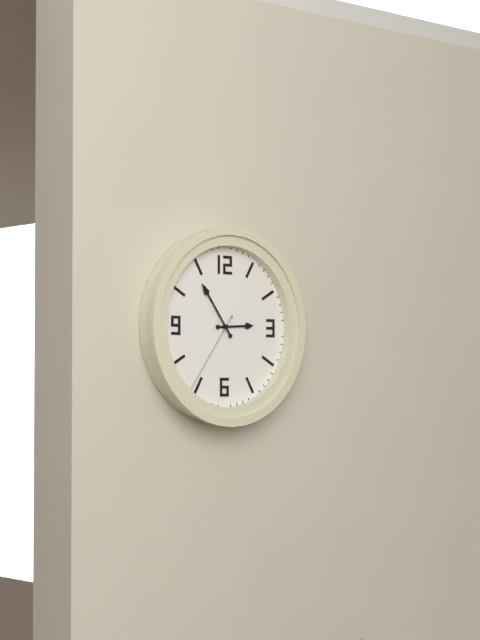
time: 2:54:36
